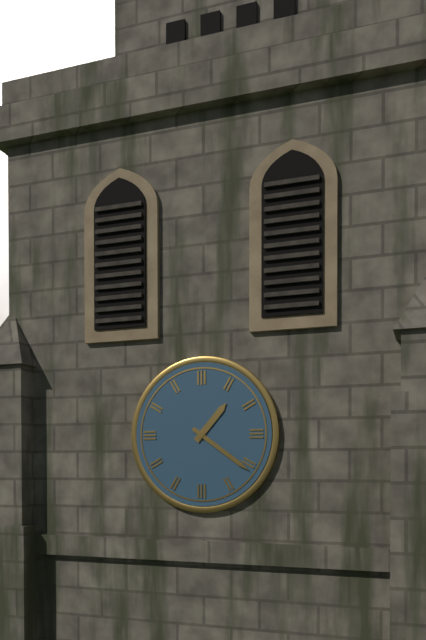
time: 1:21
